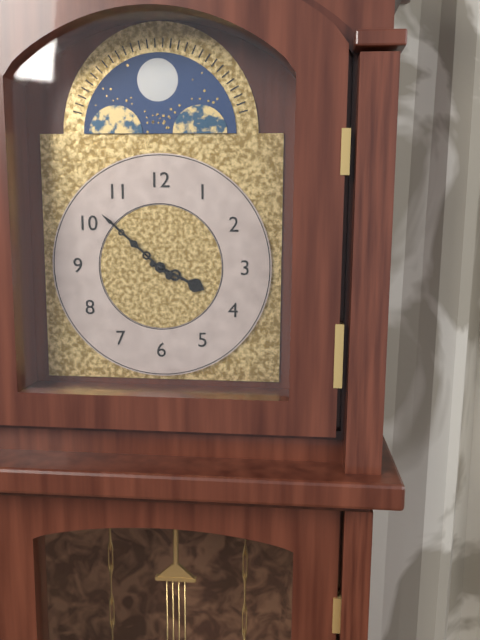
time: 3:52
